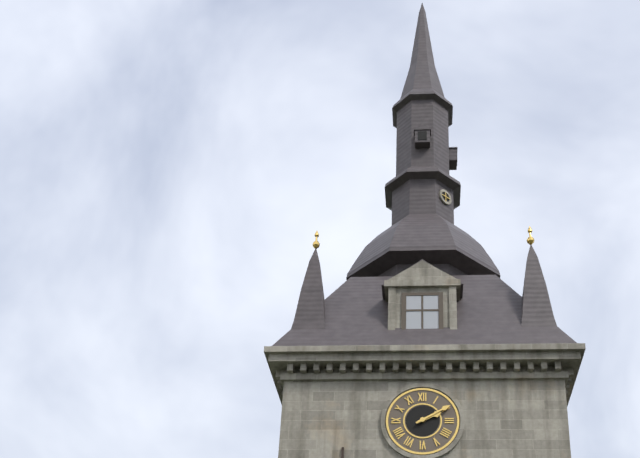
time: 2:10
